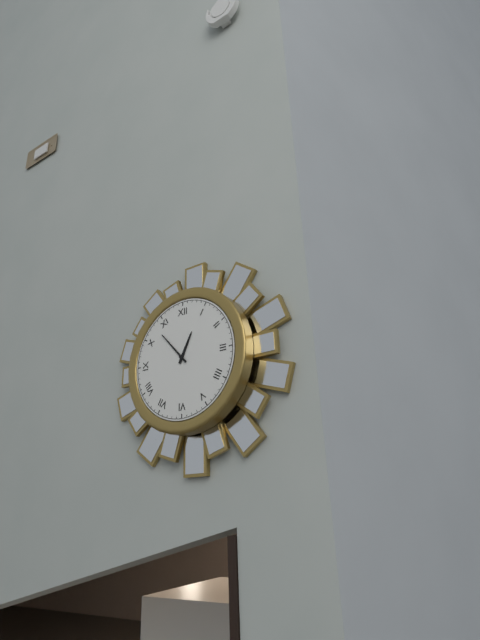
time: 12:53
